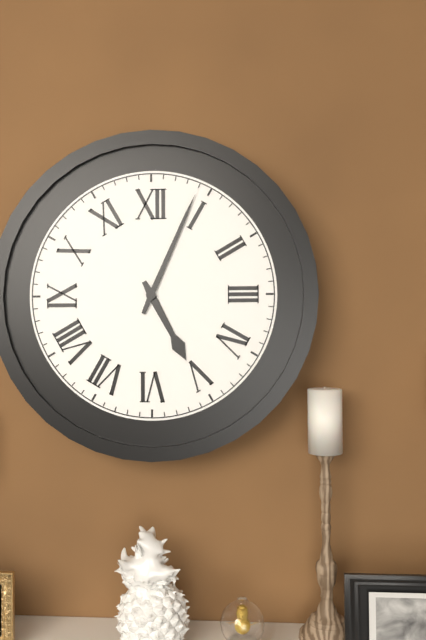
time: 5:04
